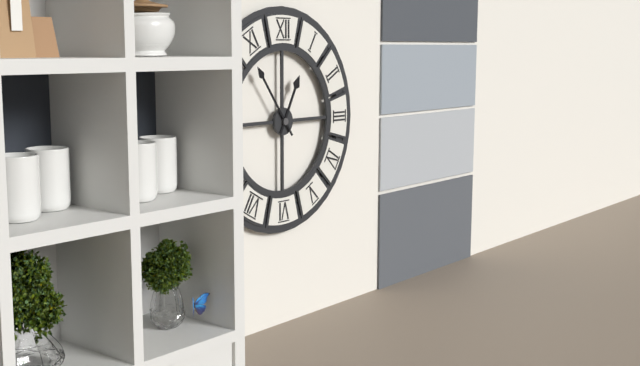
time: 12:54
